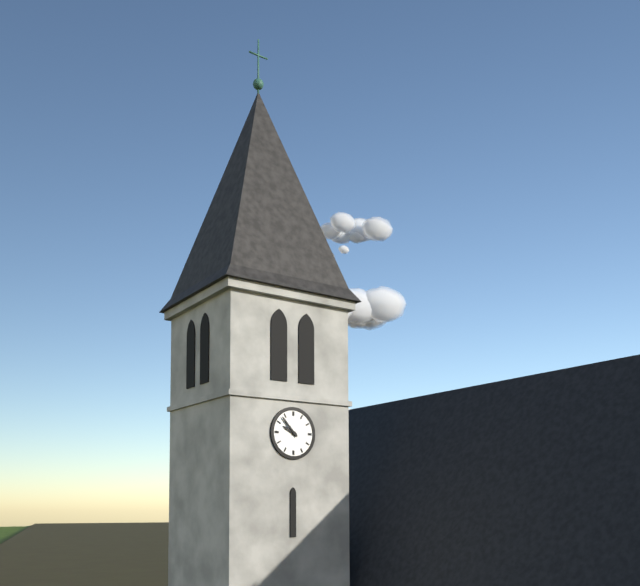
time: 9:53
